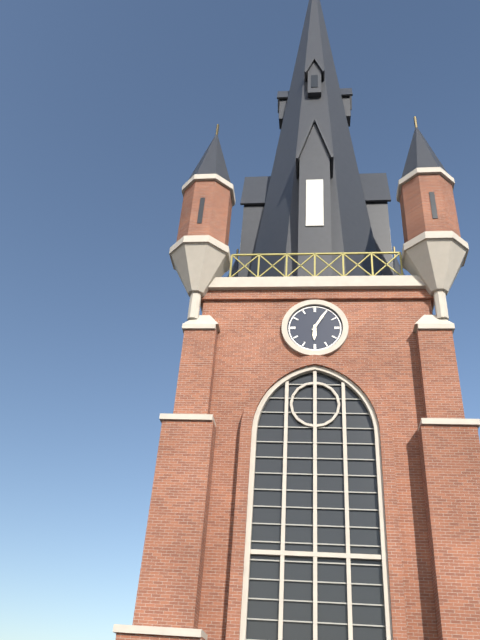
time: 6:05
